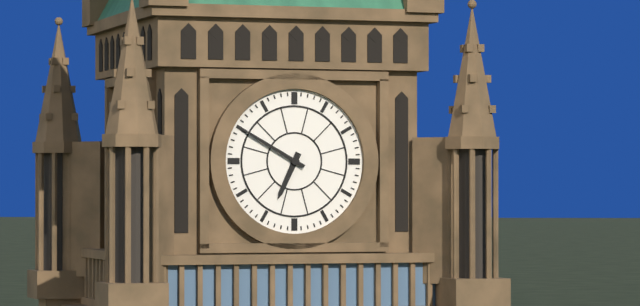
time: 6:50
